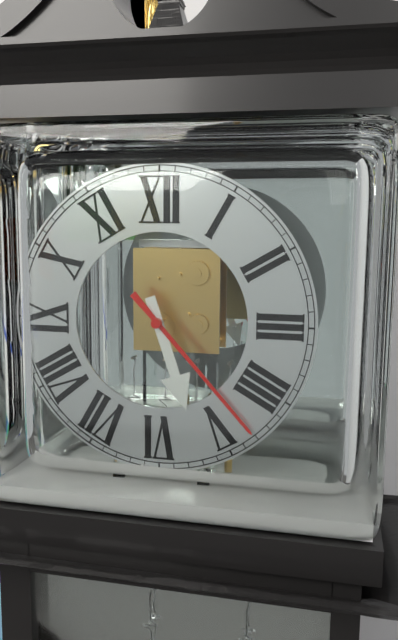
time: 5:23
